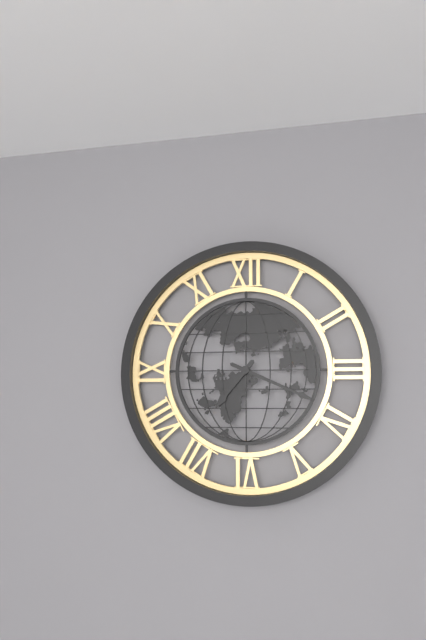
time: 7:19
